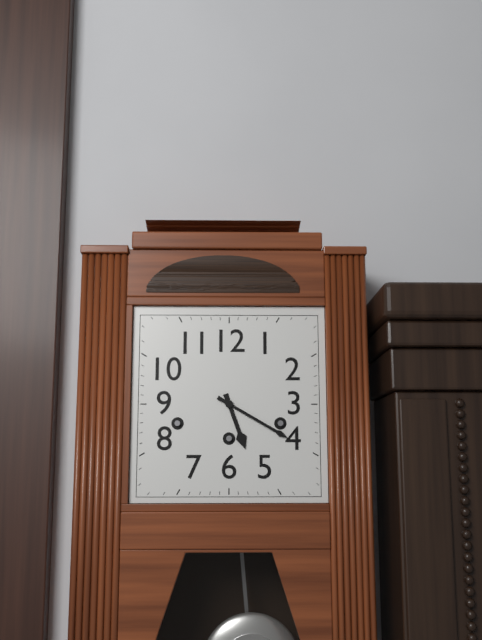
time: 5:20
